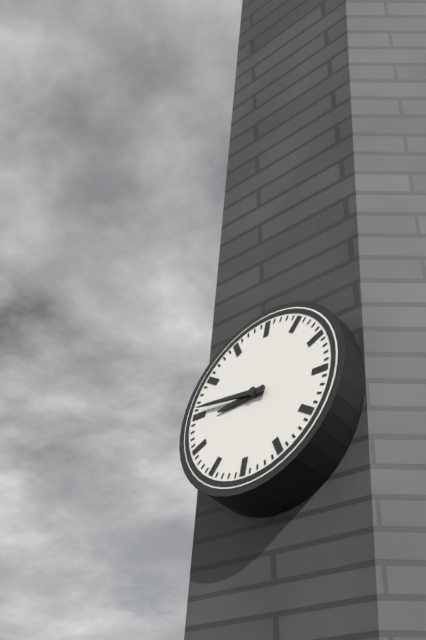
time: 8:46
